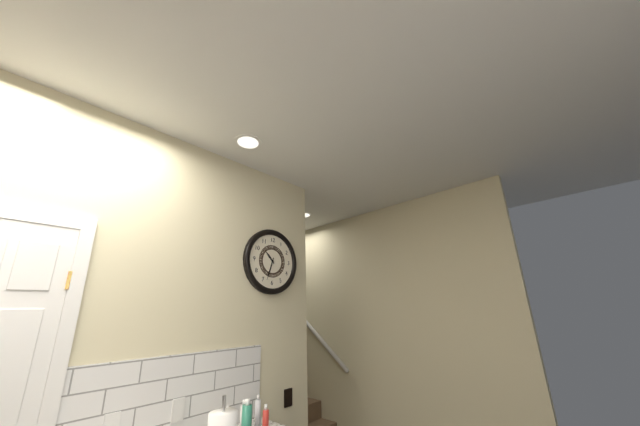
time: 10:33
